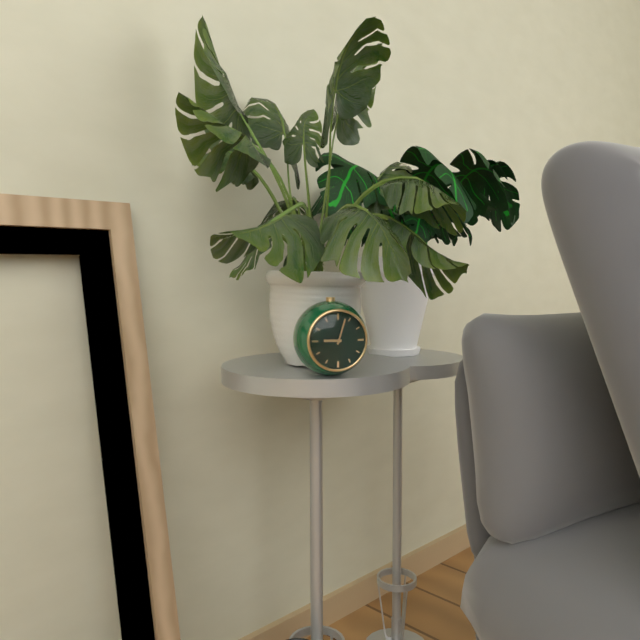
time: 9:03
